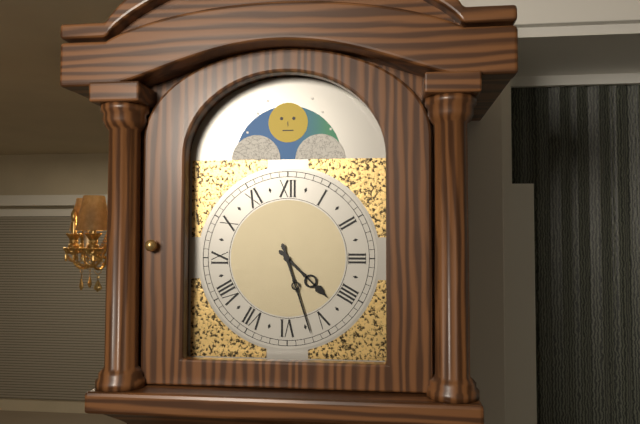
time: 4:27
